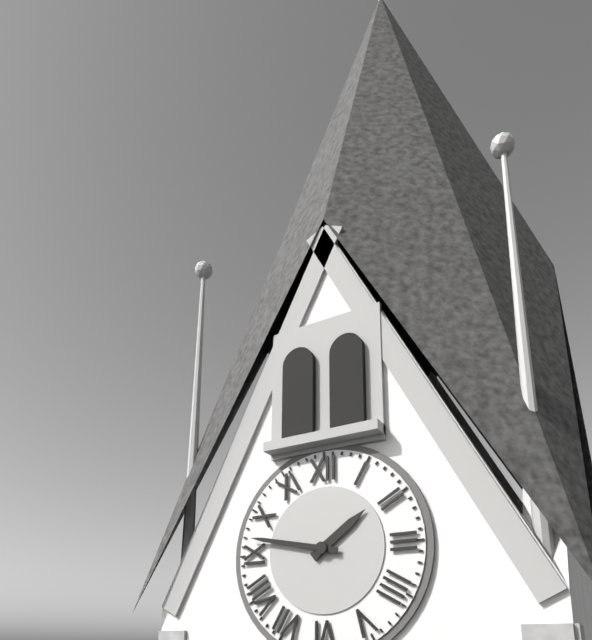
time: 1:47
